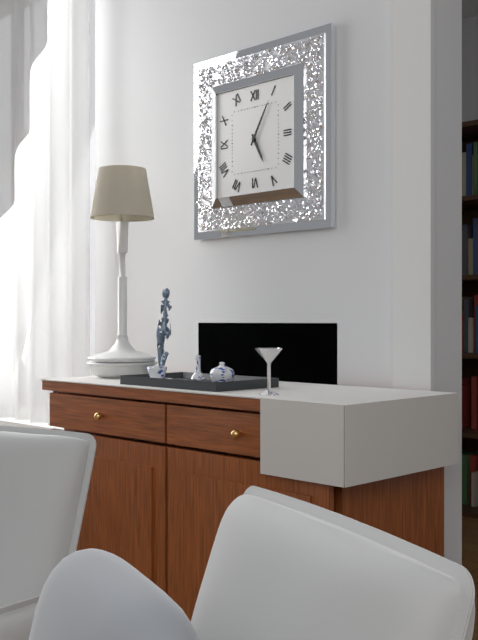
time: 5:05
